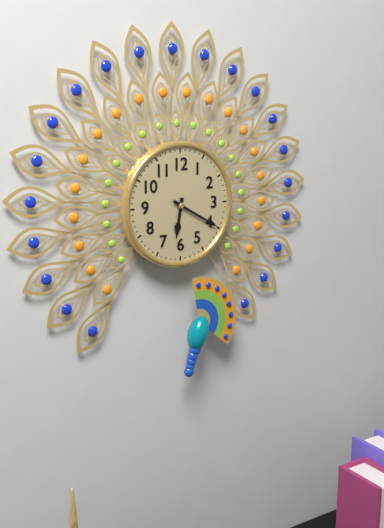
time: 6:20
